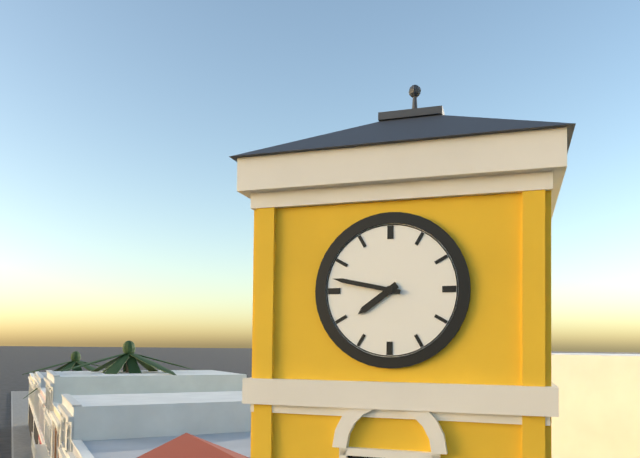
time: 7:47
